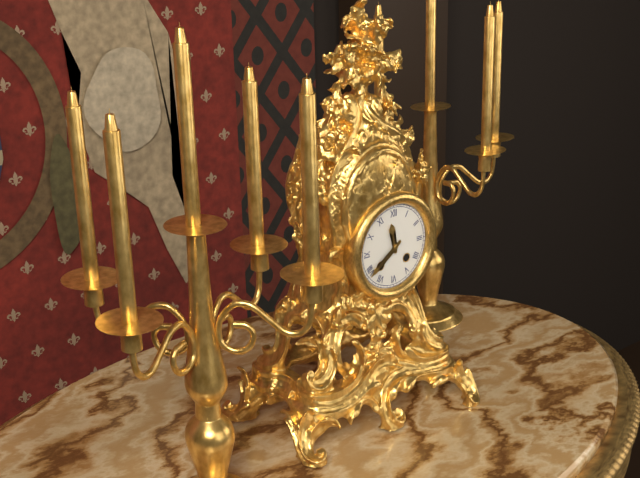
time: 11:39
